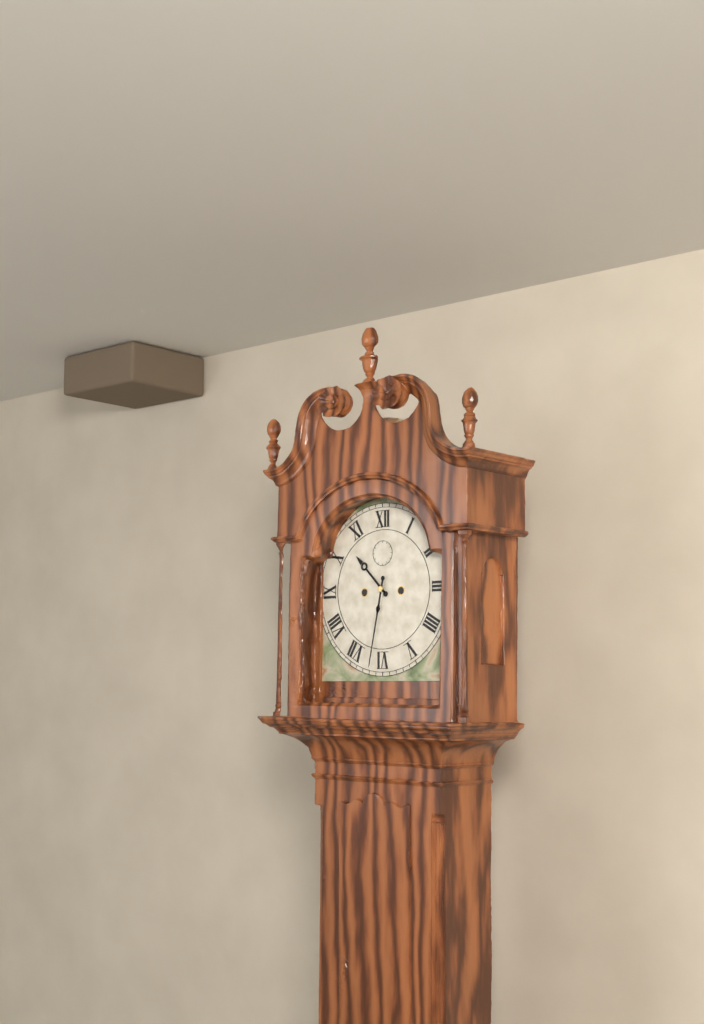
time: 10:32
